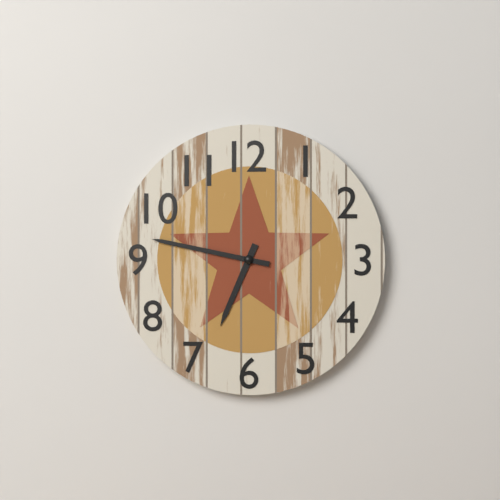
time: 6:47
